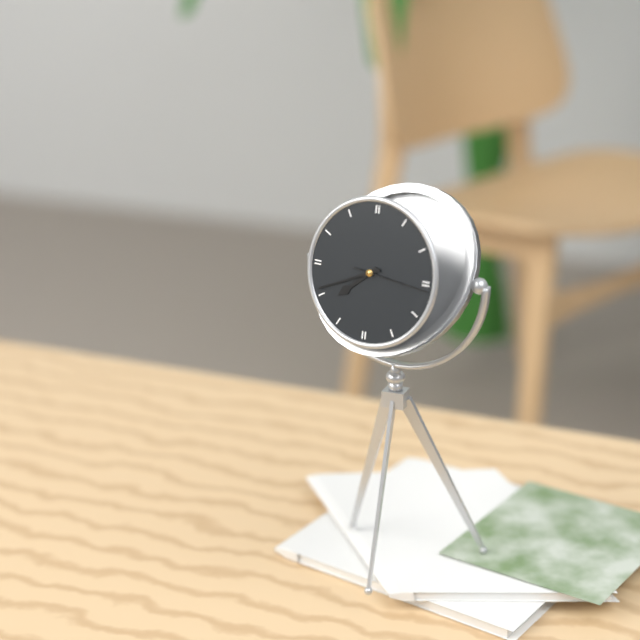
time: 7:41
